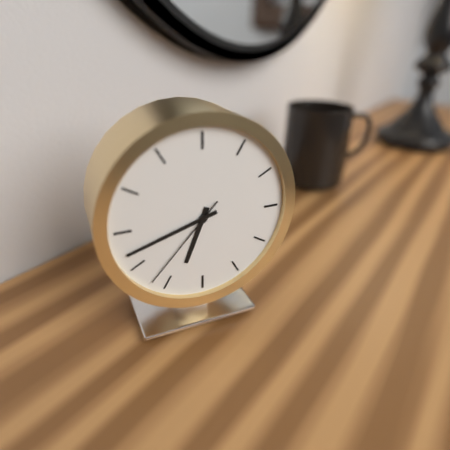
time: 6:42:37
